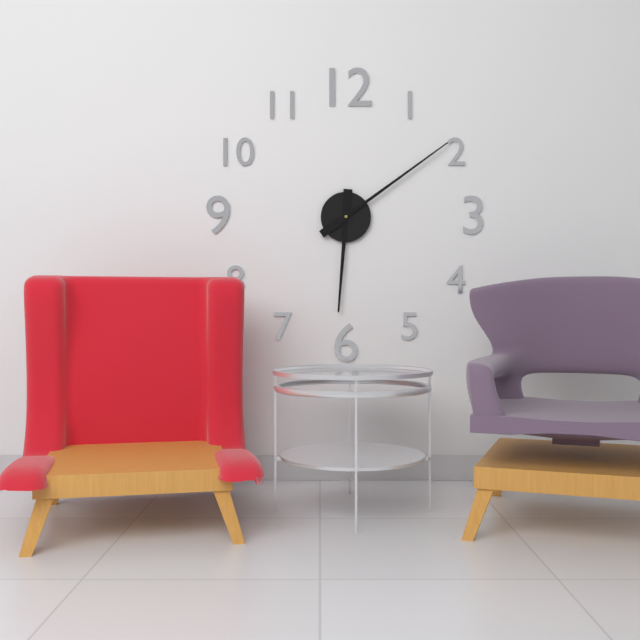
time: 6:09
